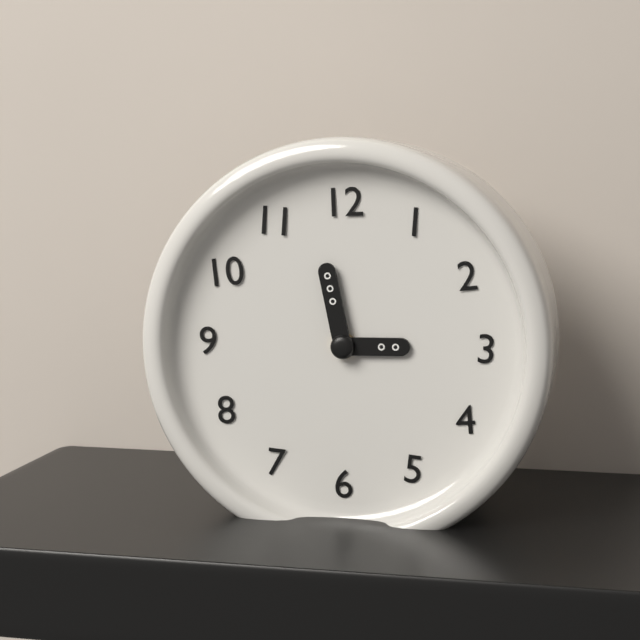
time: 2:58
